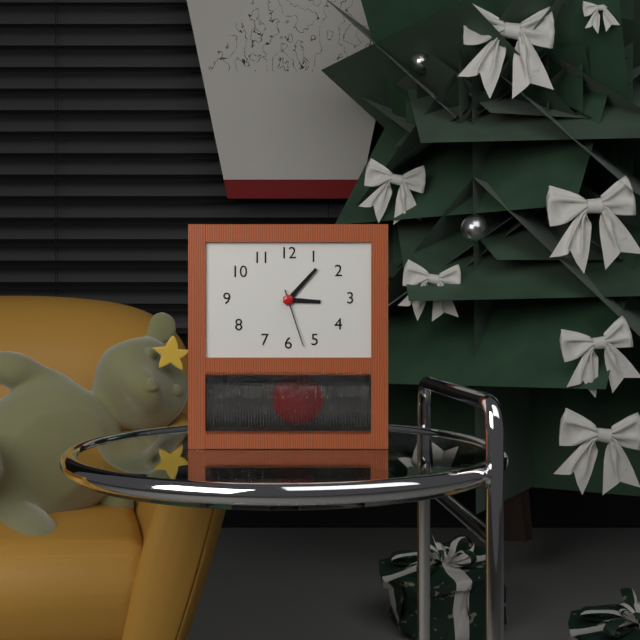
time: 3:07:27
